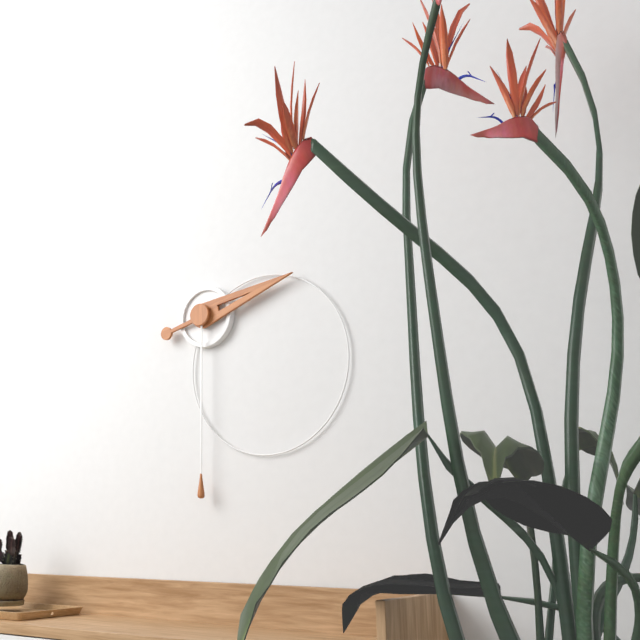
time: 2:30
